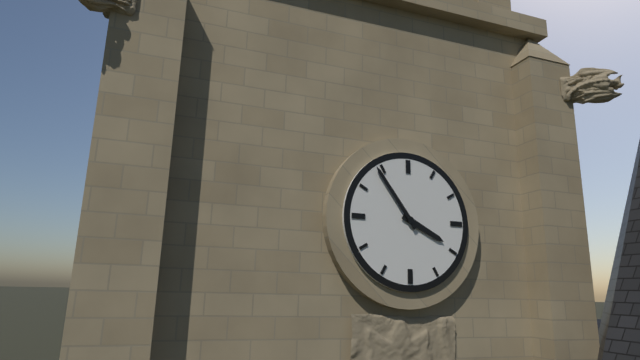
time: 3:54
